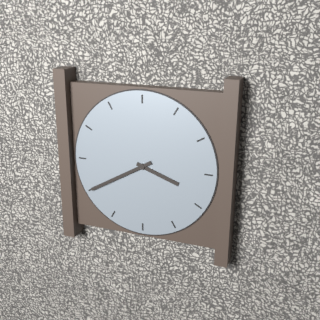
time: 3:40
